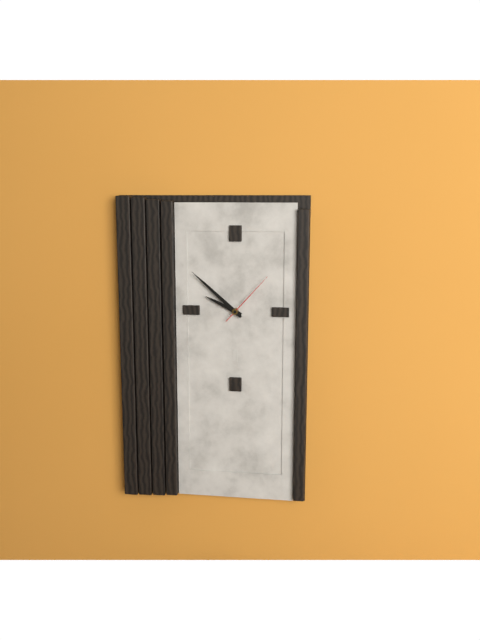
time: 9:52:07
